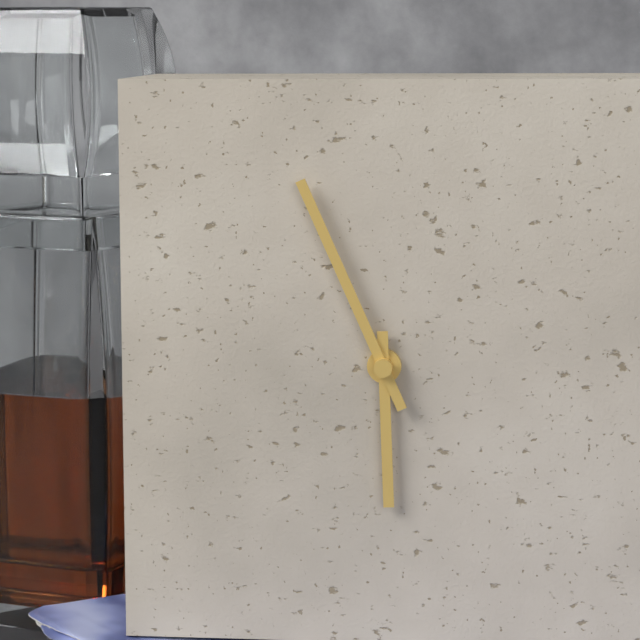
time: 5:56
